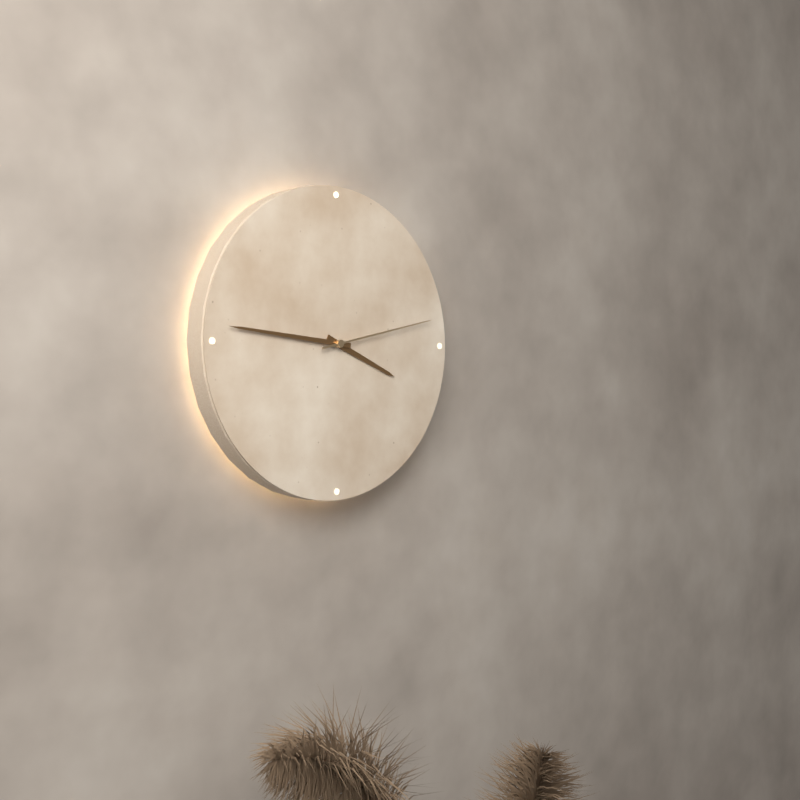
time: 3:46:13
